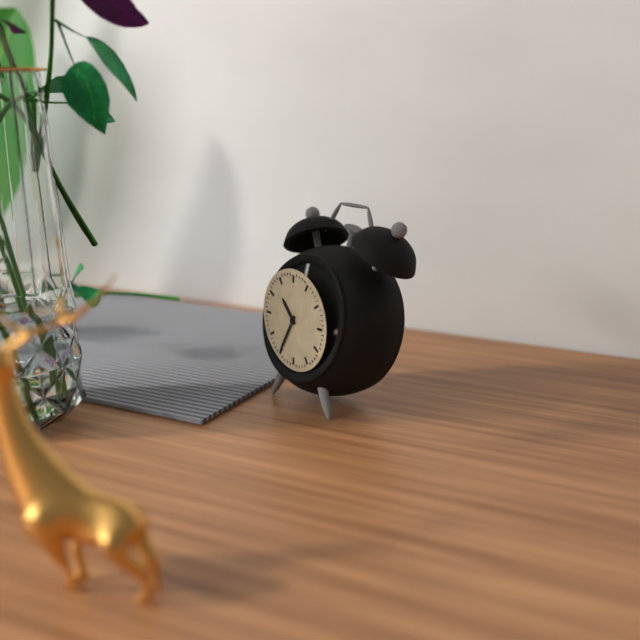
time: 10:35
